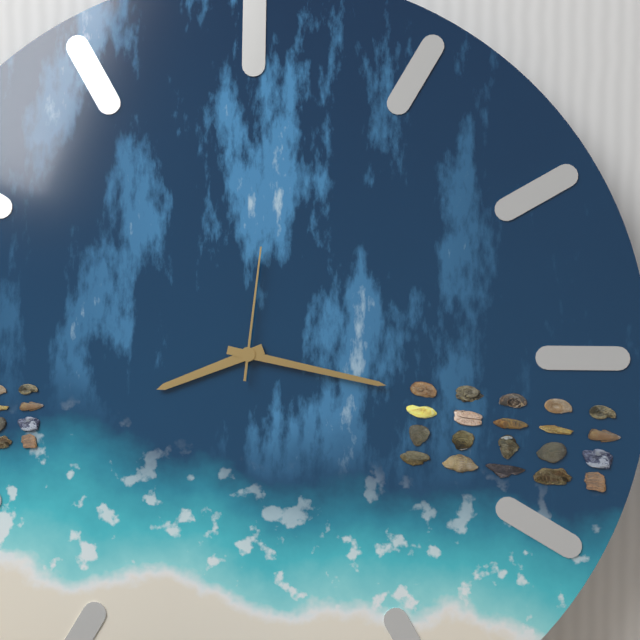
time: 8:17:01
